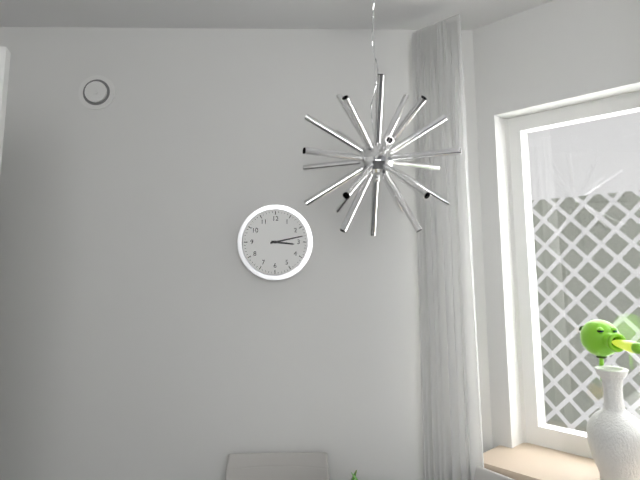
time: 3:13
